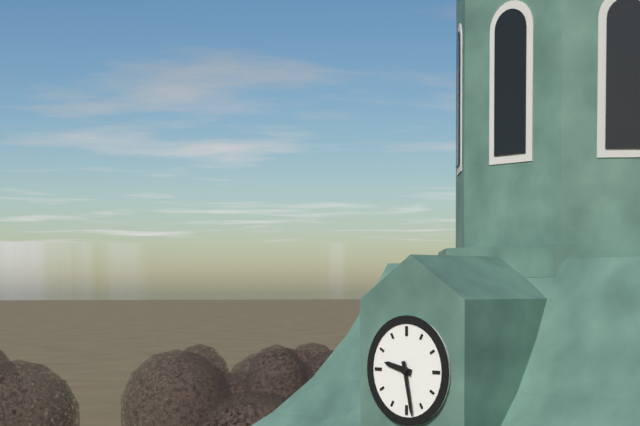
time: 9:28
